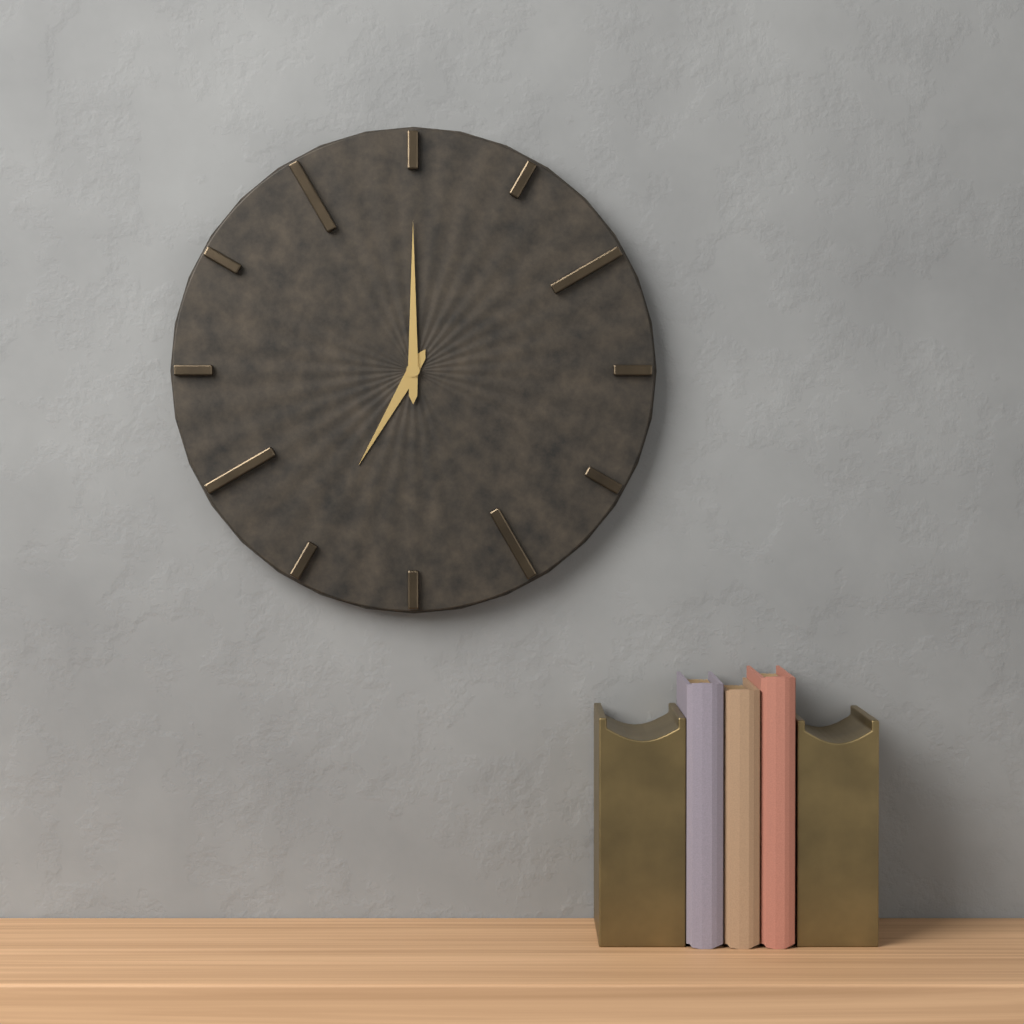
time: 7:00
